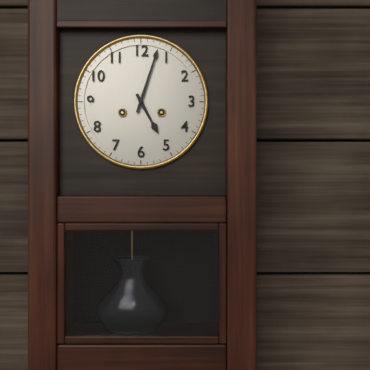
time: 5:03
